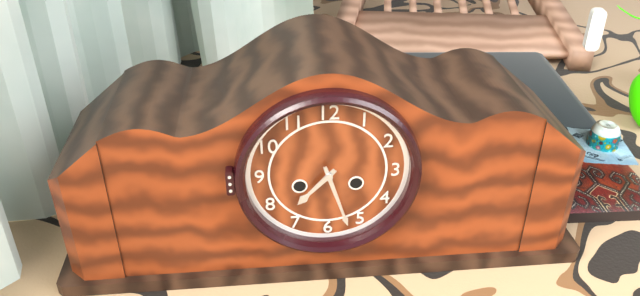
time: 7:27
